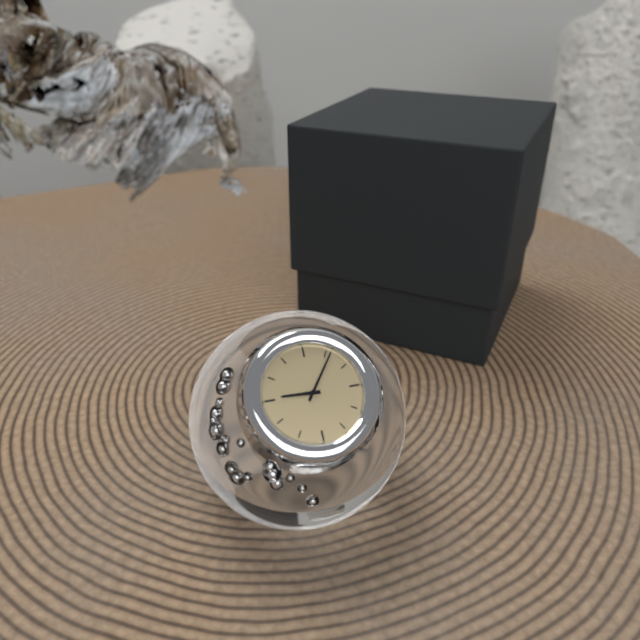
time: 9:06
